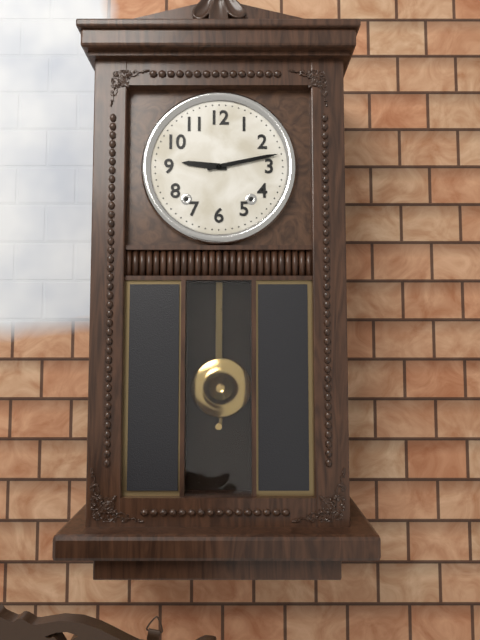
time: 9:13
